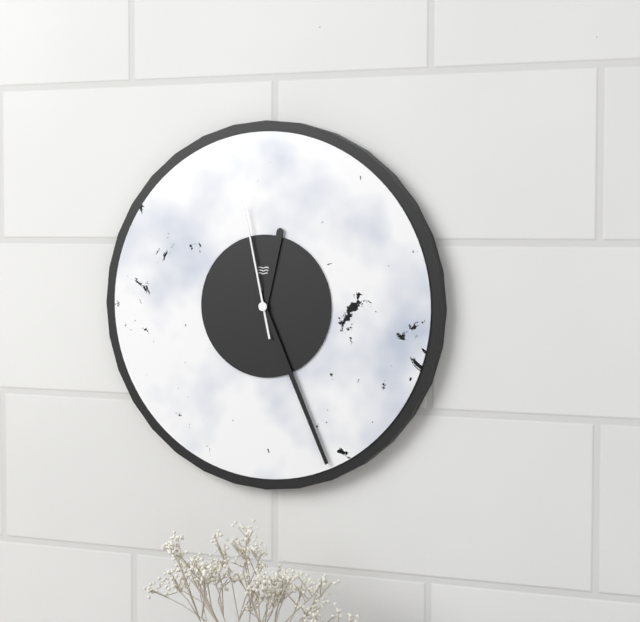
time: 12:26:58
